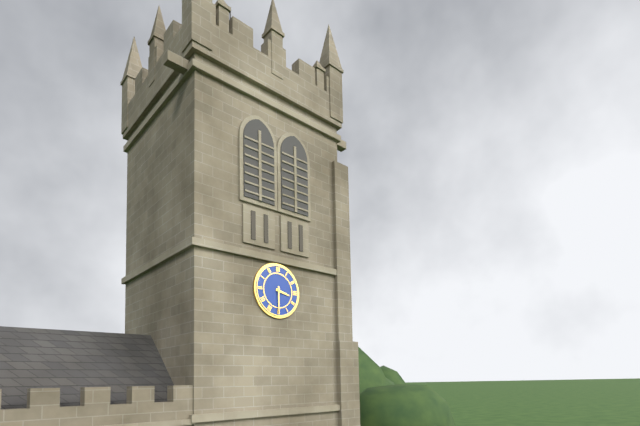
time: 3:30
